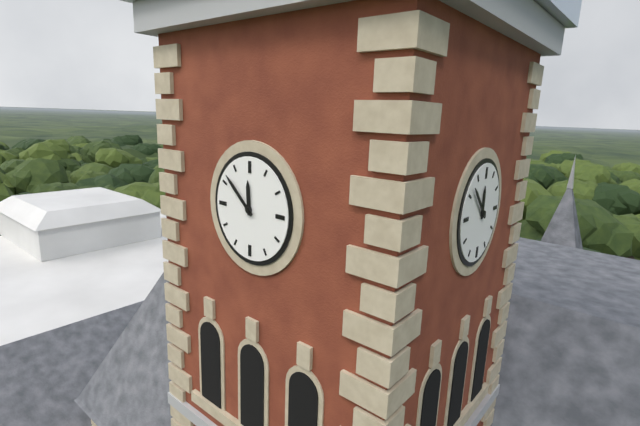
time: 11:52
